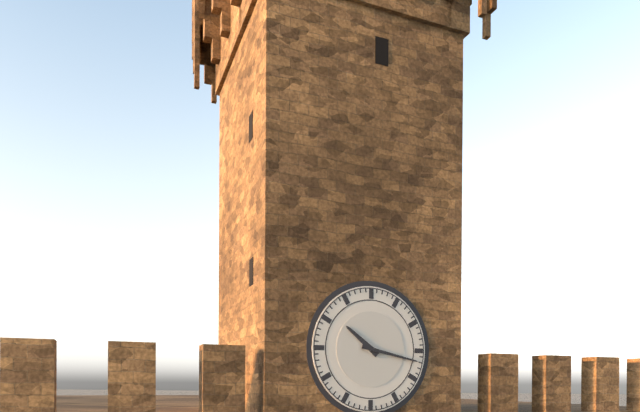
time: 10:17
